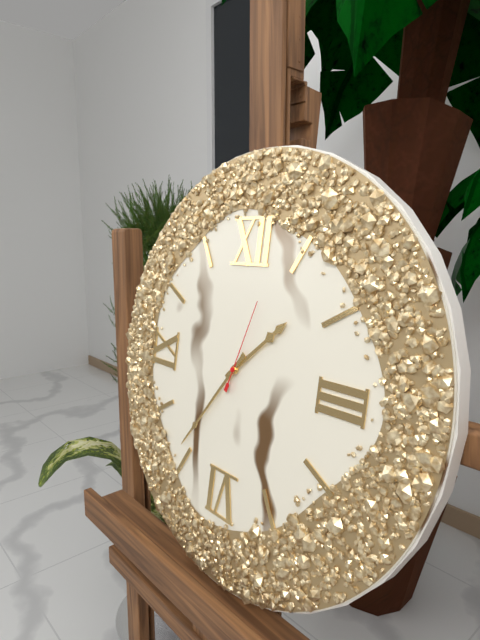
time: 1:36:03
